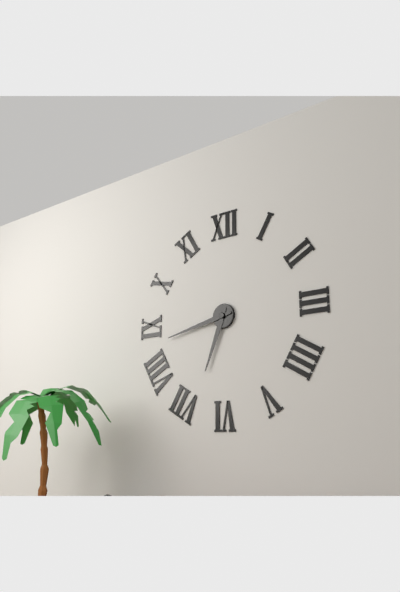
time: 6:43
